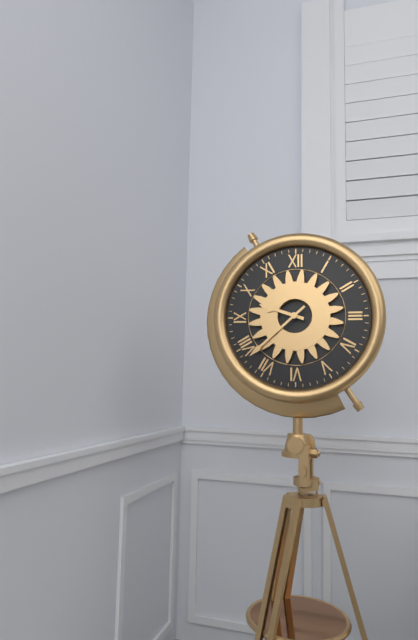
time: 9:38
